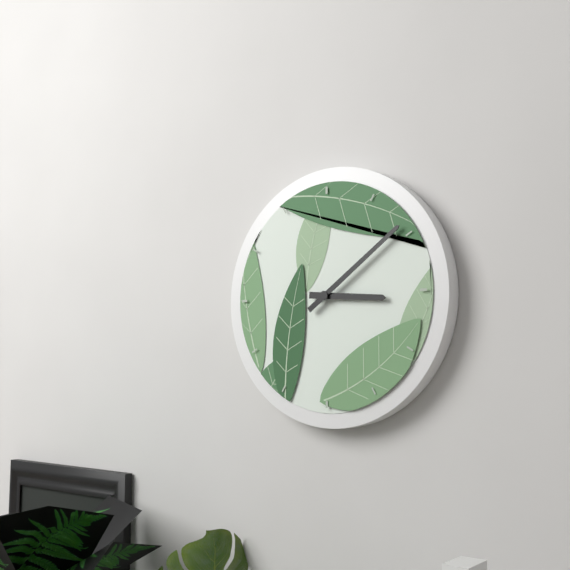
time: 3:09
